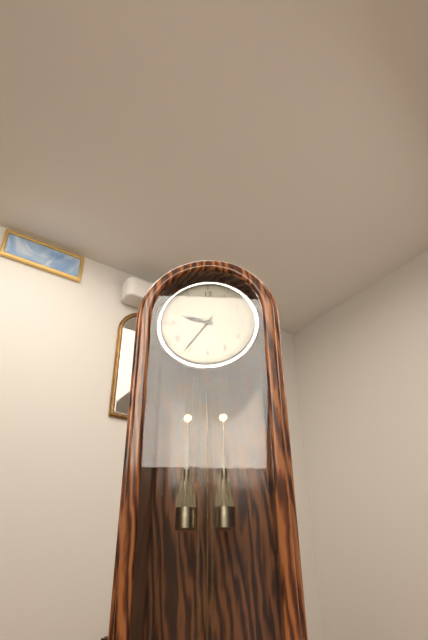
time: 9:36
